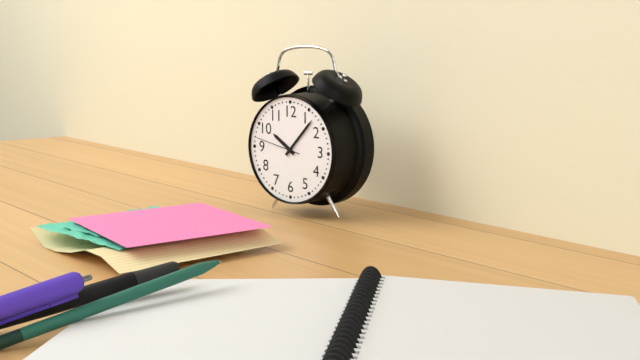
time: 10:07:47
